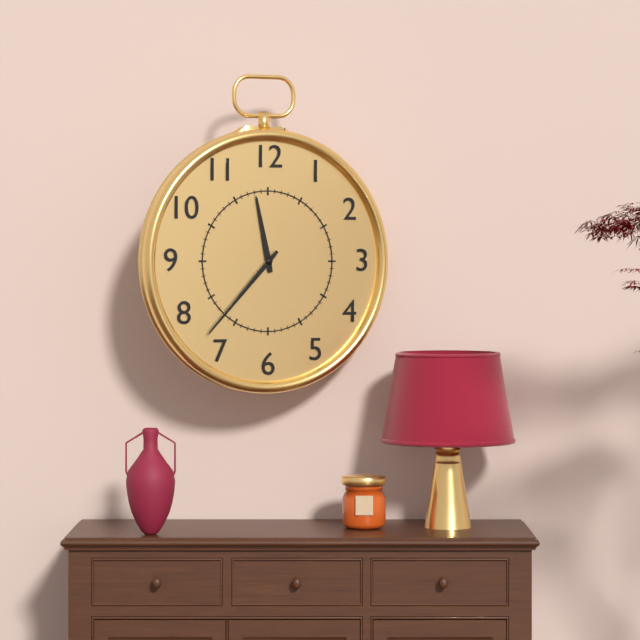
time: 11:37
